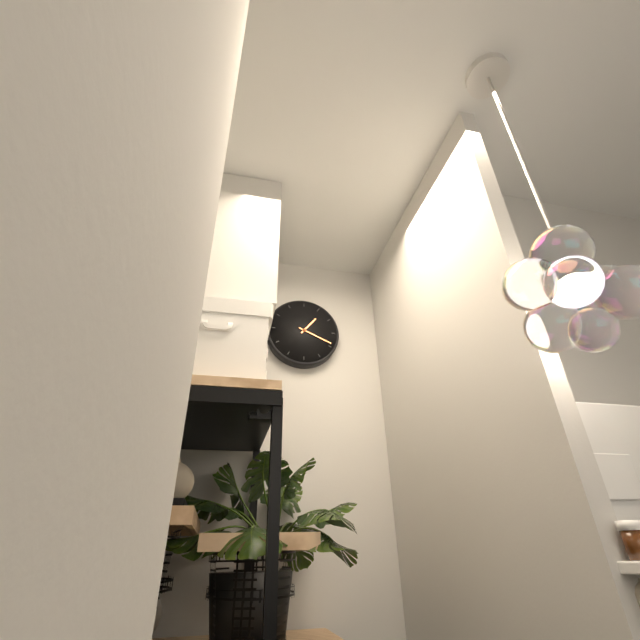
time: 1:19
